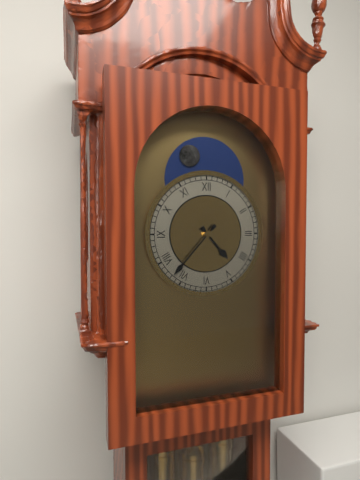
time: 4:37
